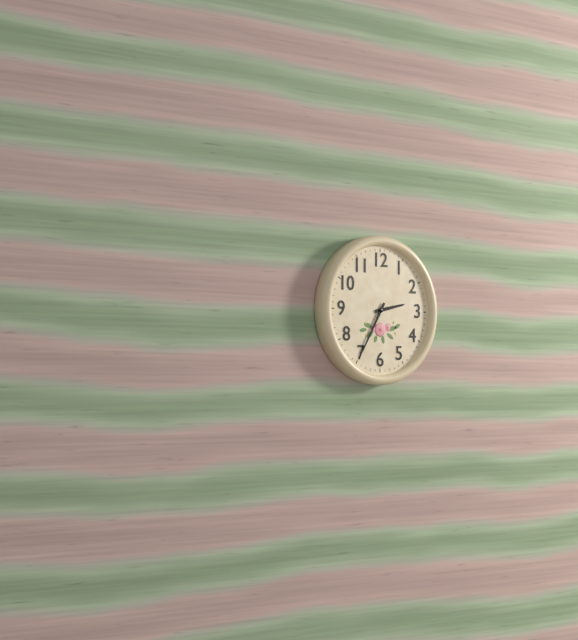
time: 2:35
